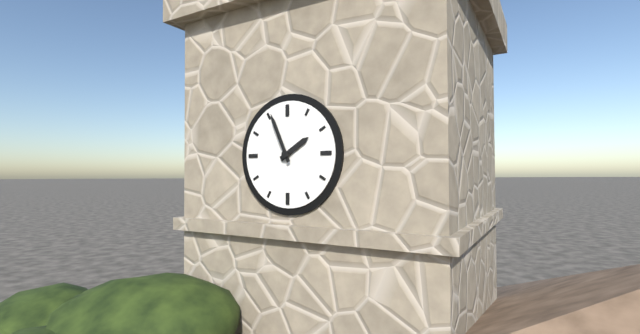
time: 1:56
